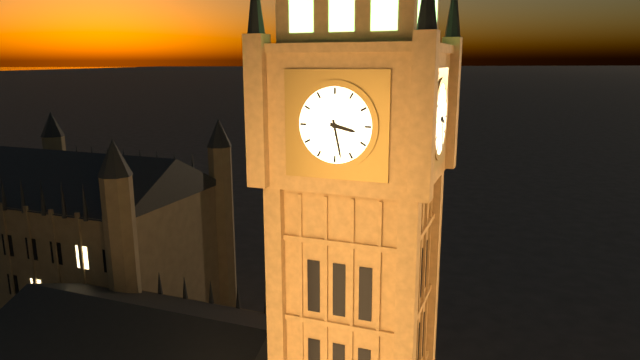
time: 3:28
